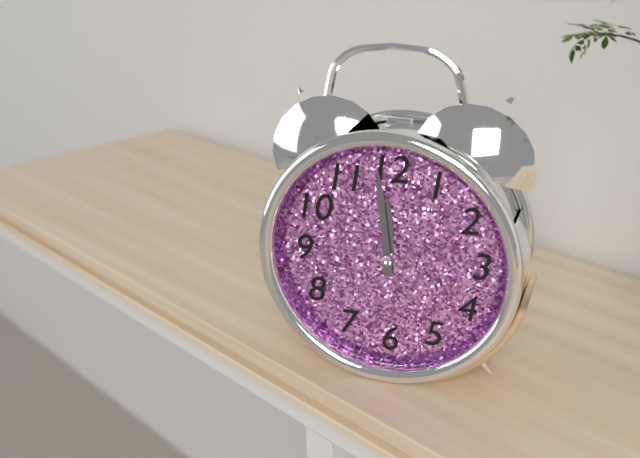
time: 11:59
